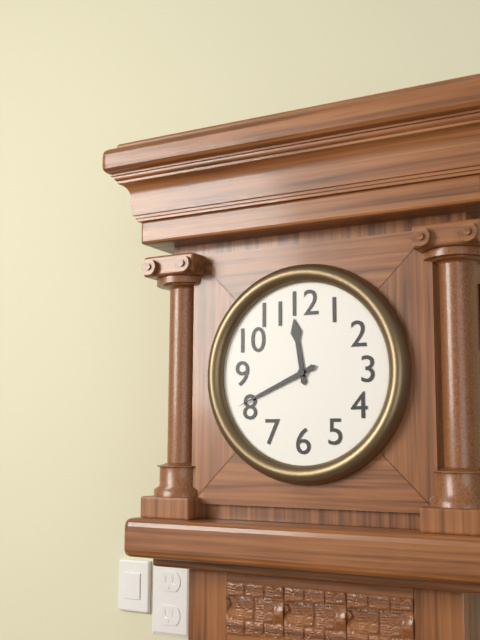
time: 11:41
